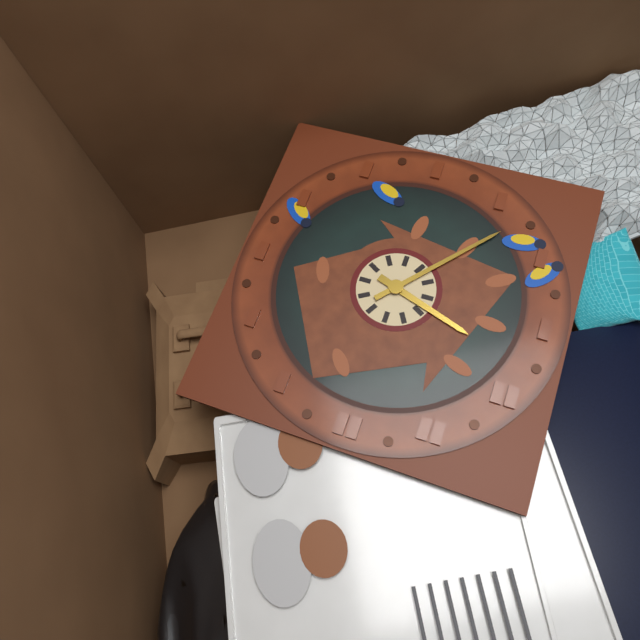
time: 9:37
